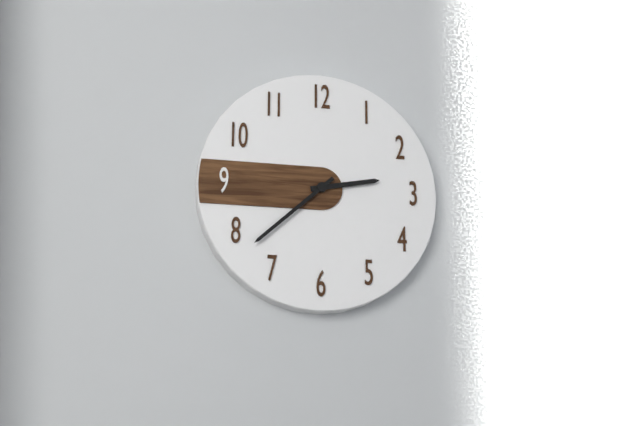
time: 2:38
